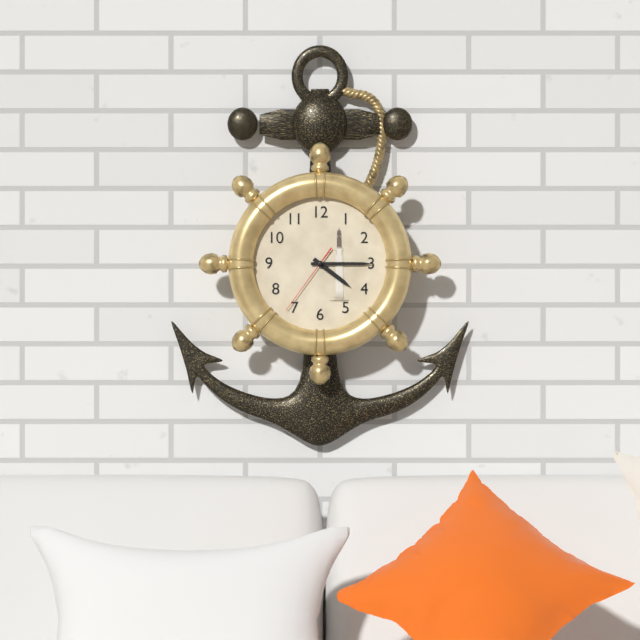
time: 4:15:36
